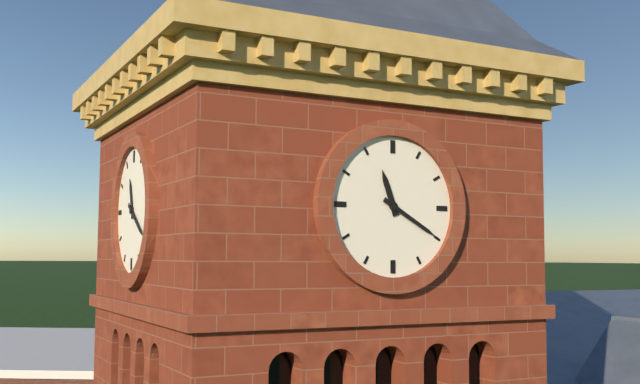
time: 11:20
